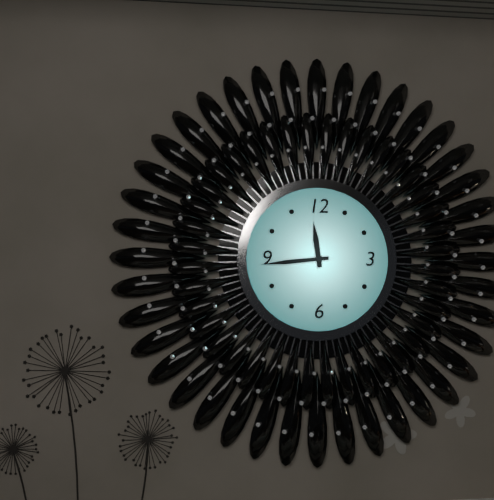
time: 11:44
